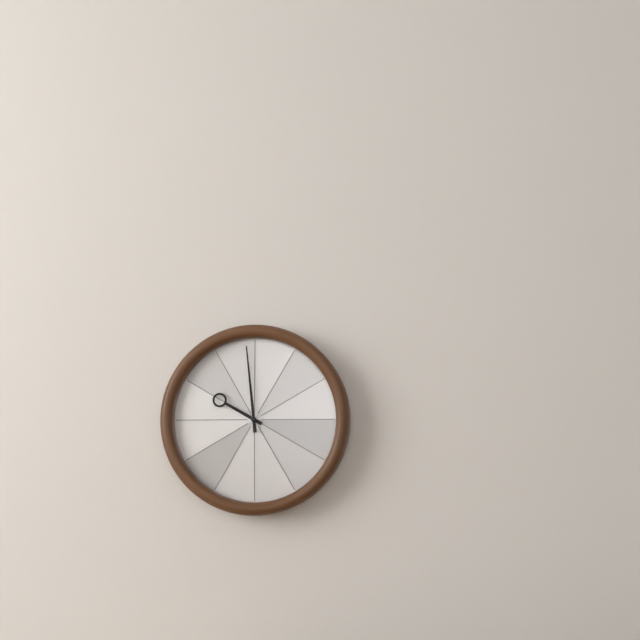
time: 9:59
